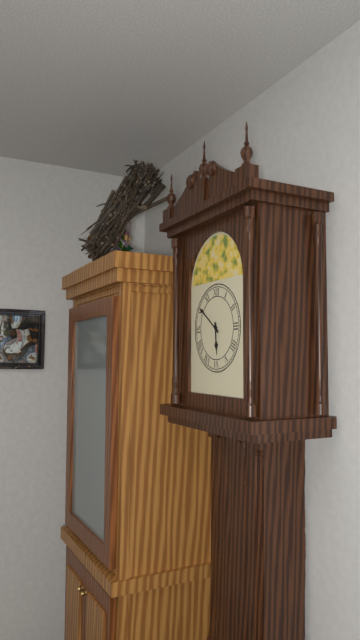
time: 5:51
